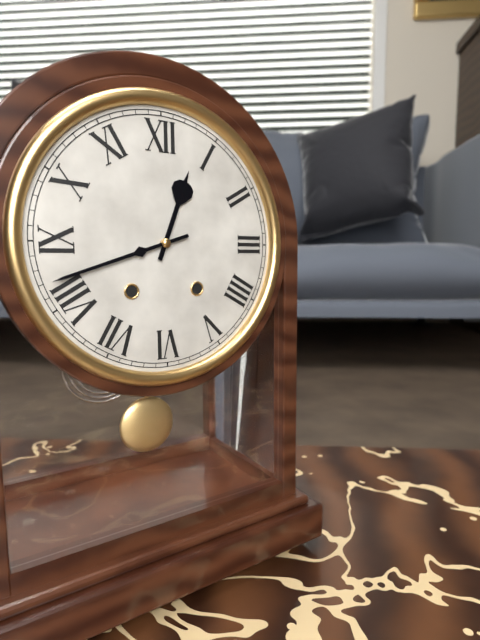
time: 12:42
